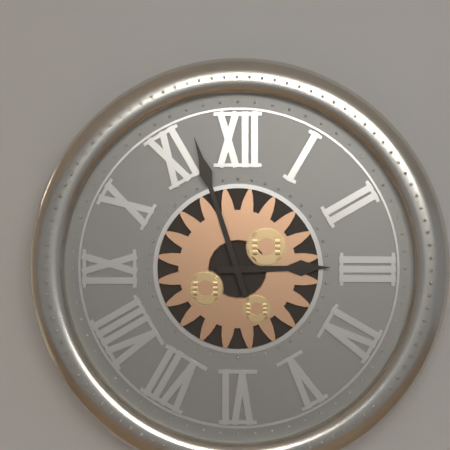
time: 2:57
